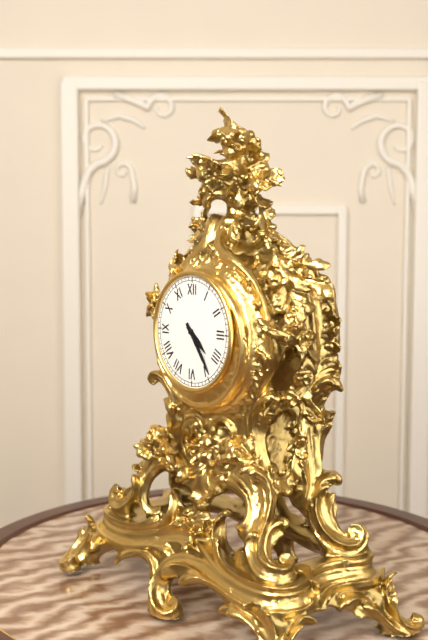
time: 4:24
